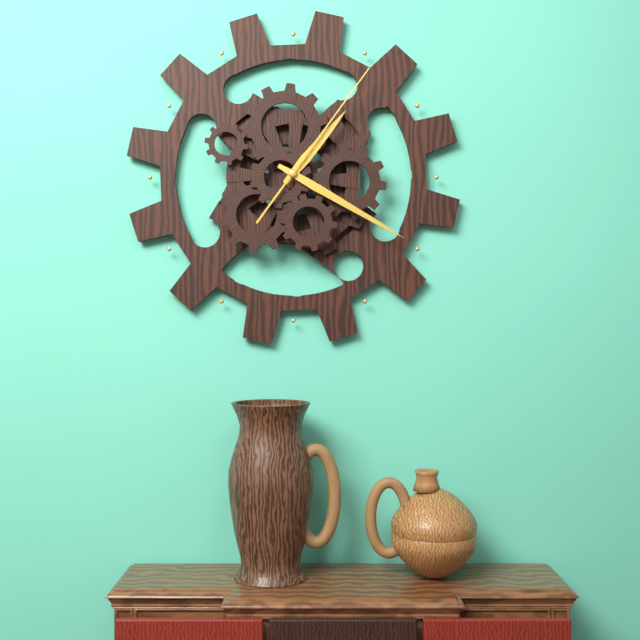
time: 1:20:06
